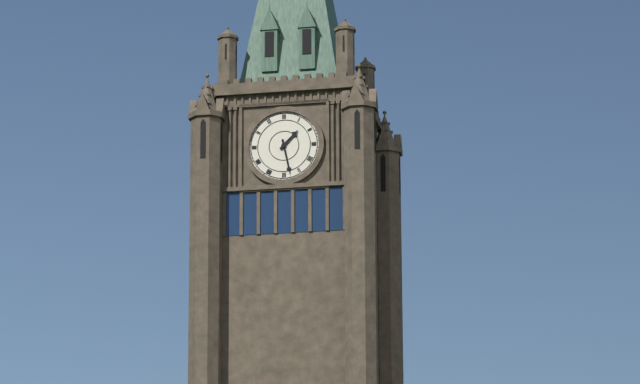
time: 1:28
